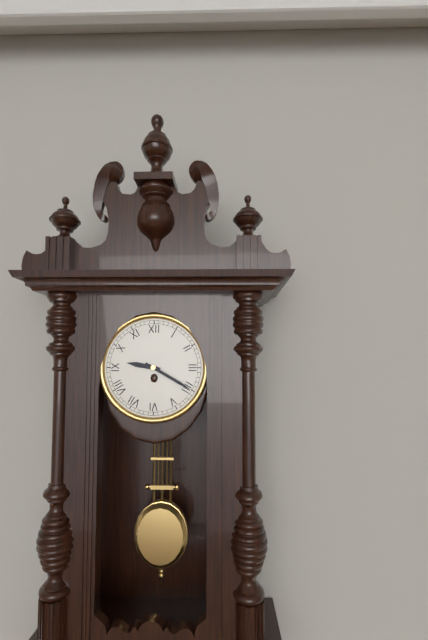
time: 9:20
